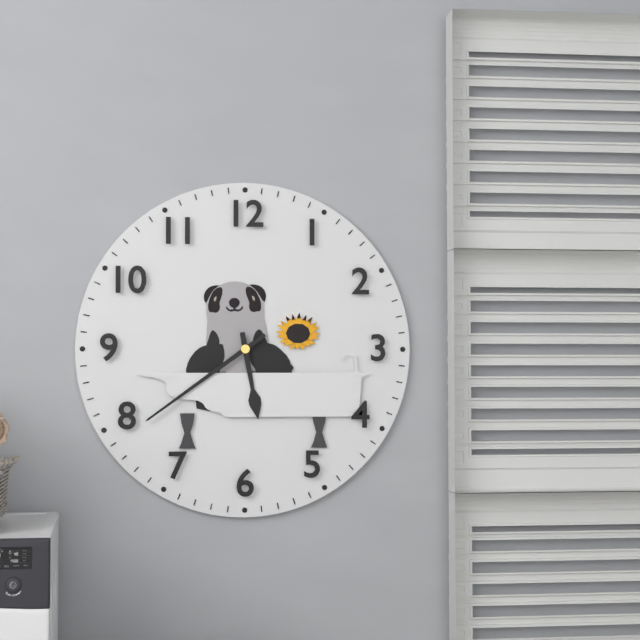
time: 5:39
